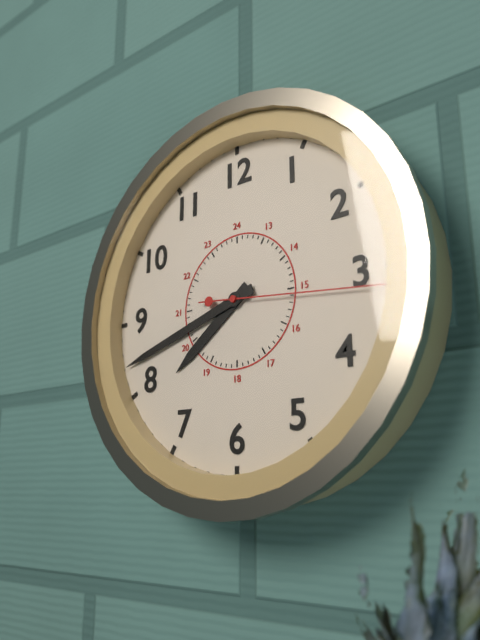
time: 7:42:16
